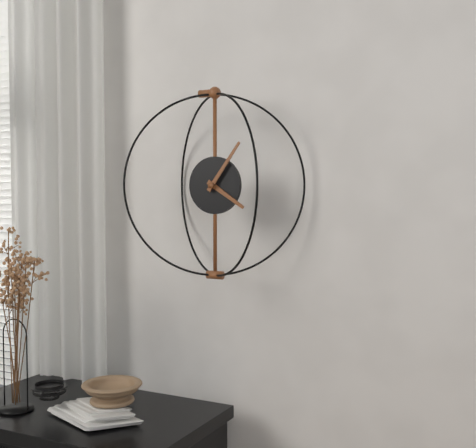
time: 4:06
